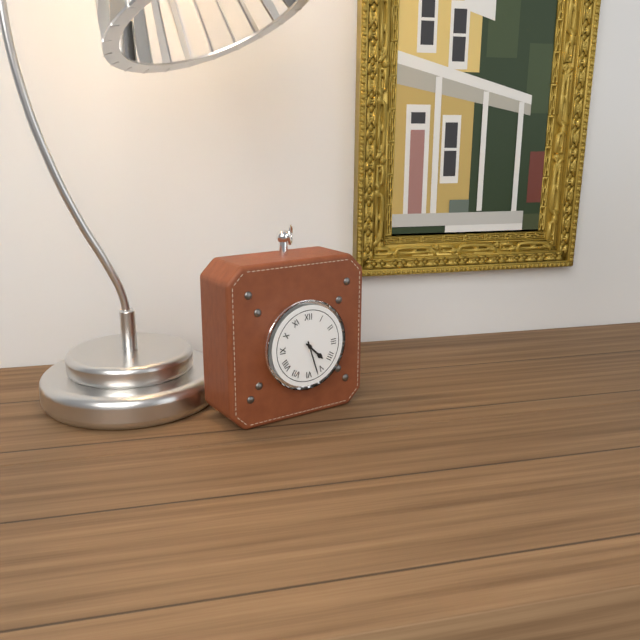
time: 4:27
